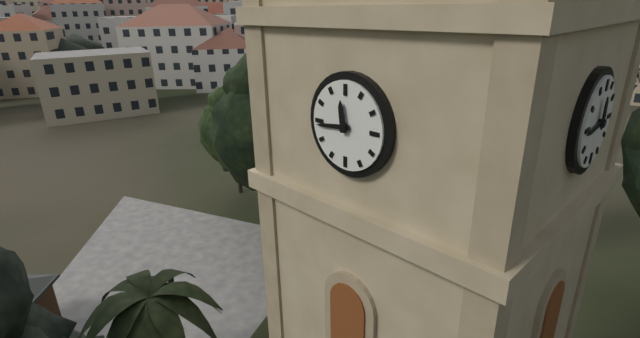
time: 11:44
